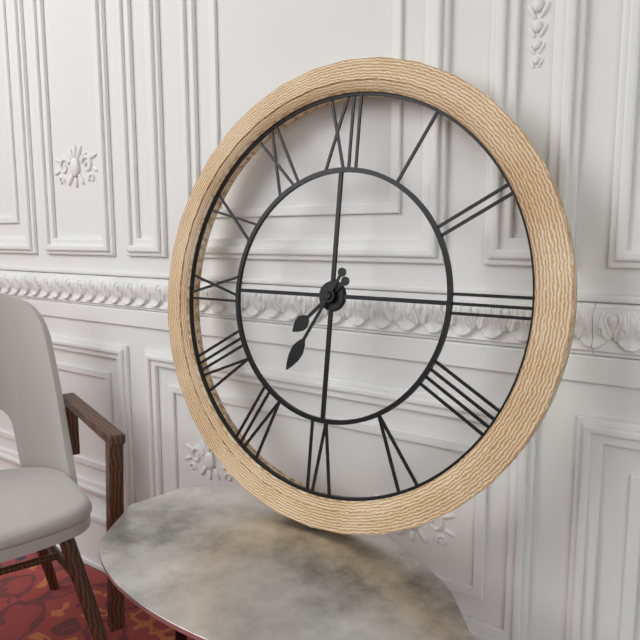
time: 7:35
